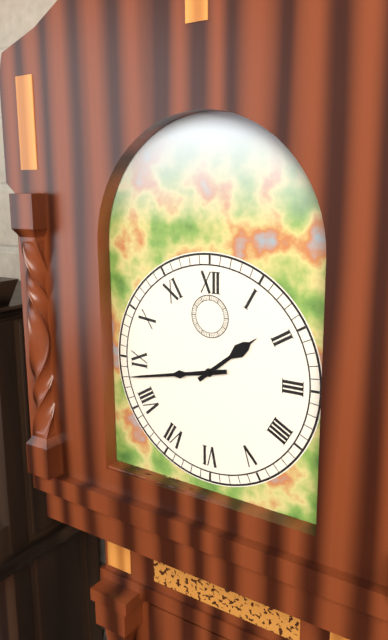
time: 1:43
